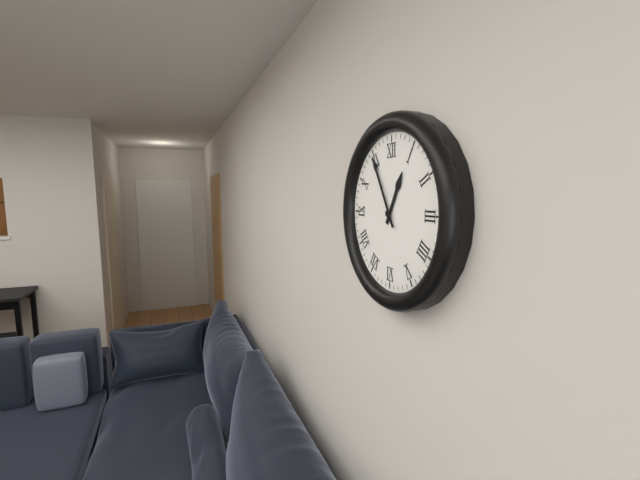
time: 12:55
